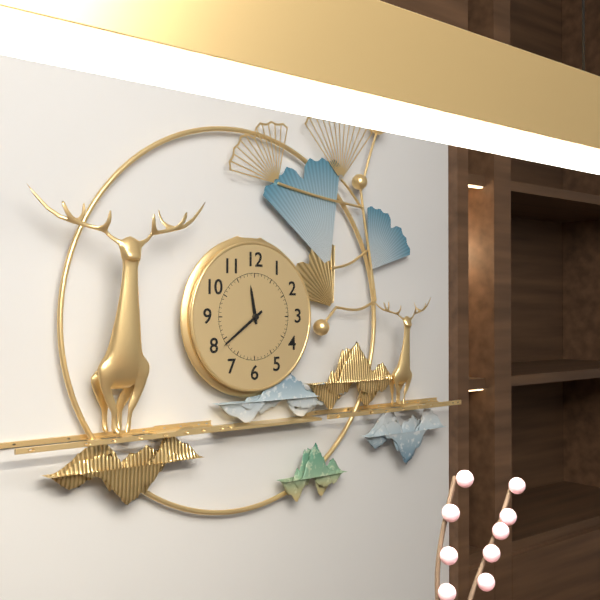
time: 11:39
